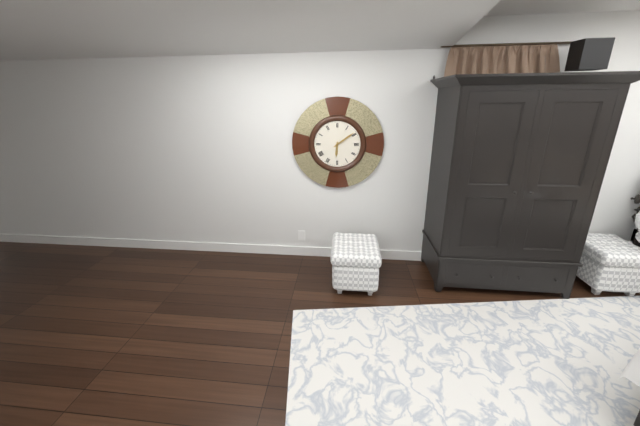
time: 6:09
